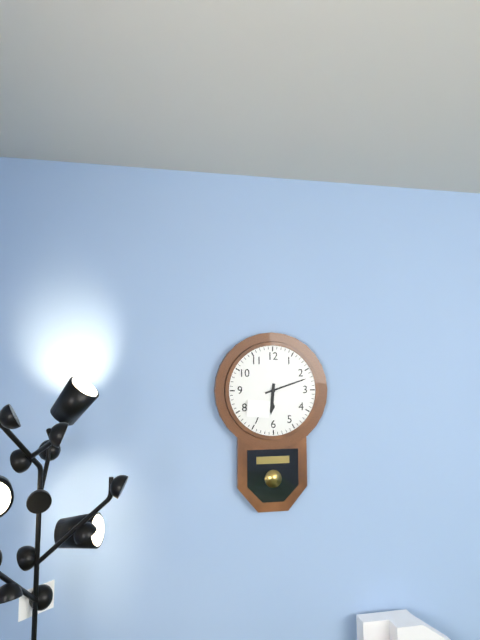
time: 6:12
